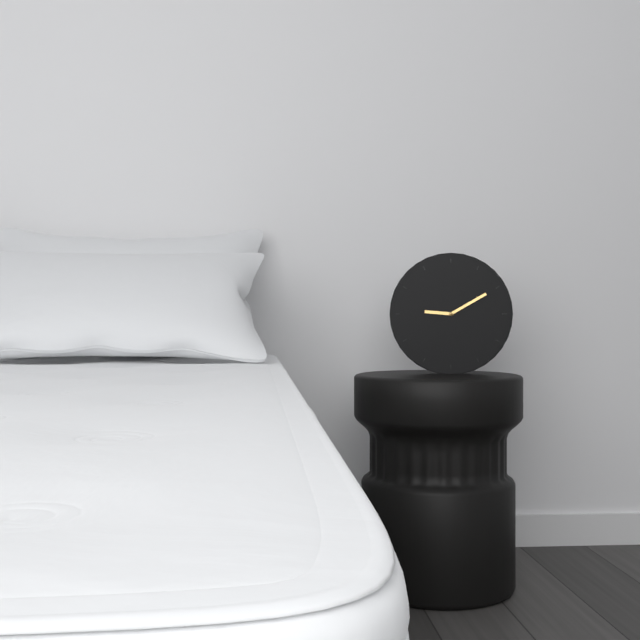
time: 9:10
